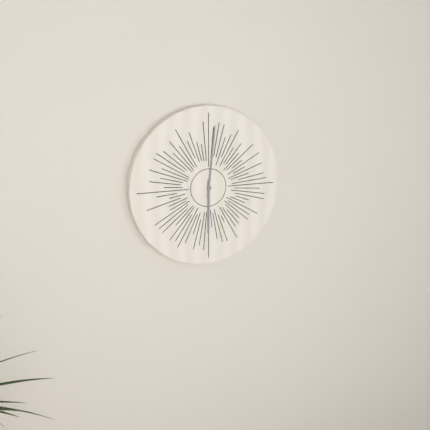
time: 6:01
